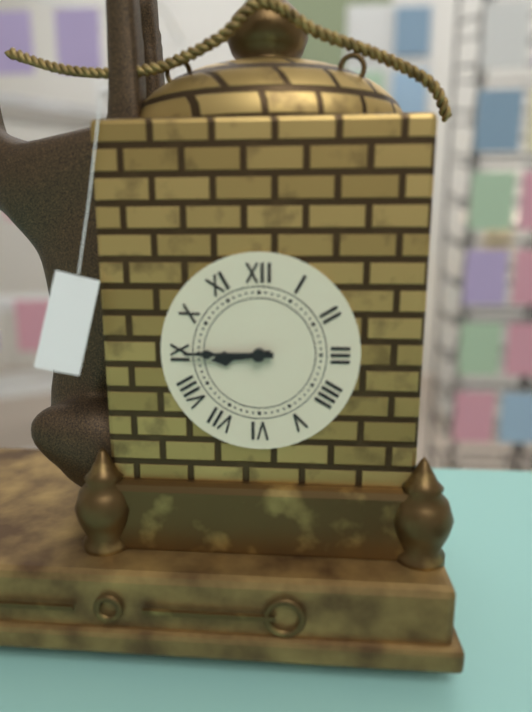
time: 8:45
